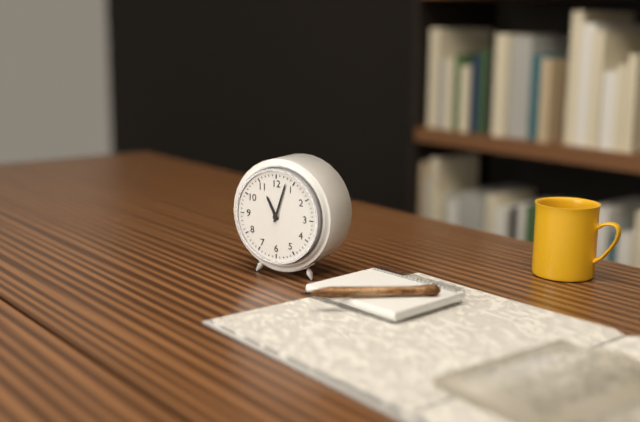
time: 11:03
